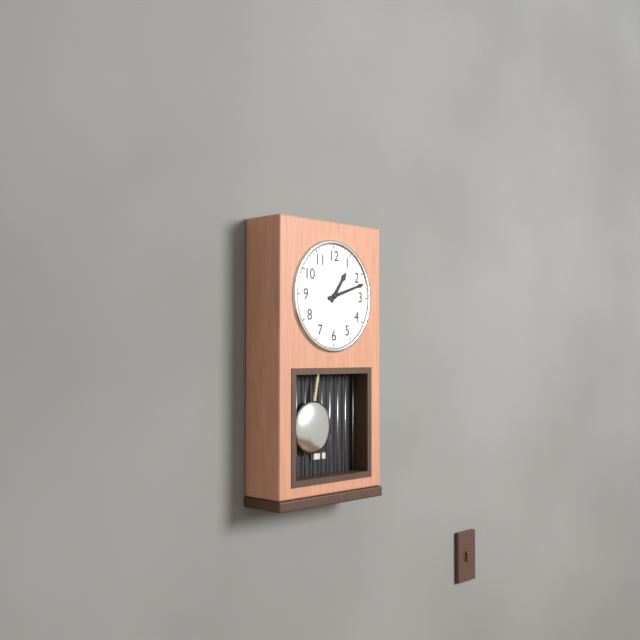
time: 1:12
